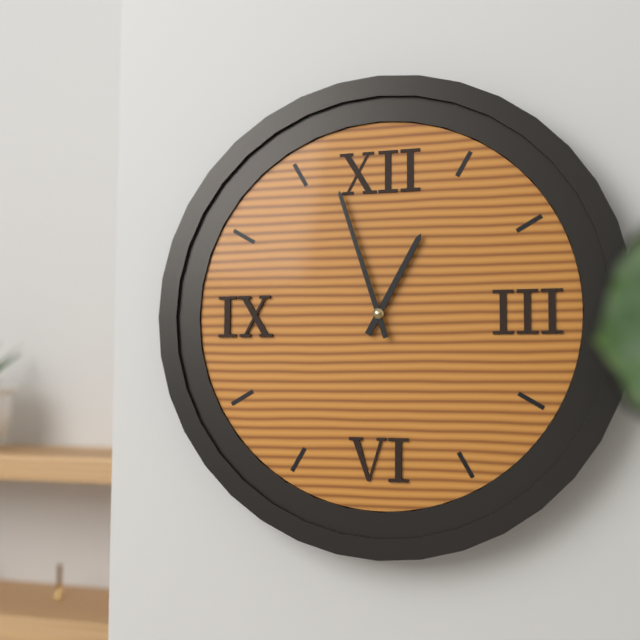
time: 12:57
